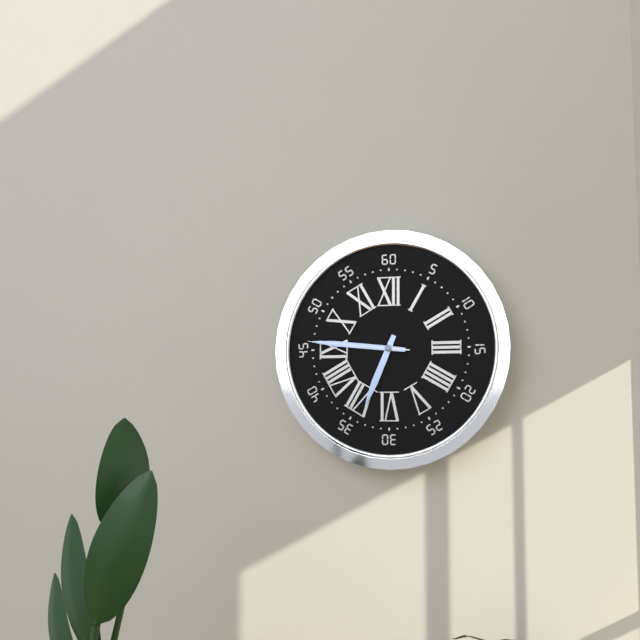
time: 6:46:46
